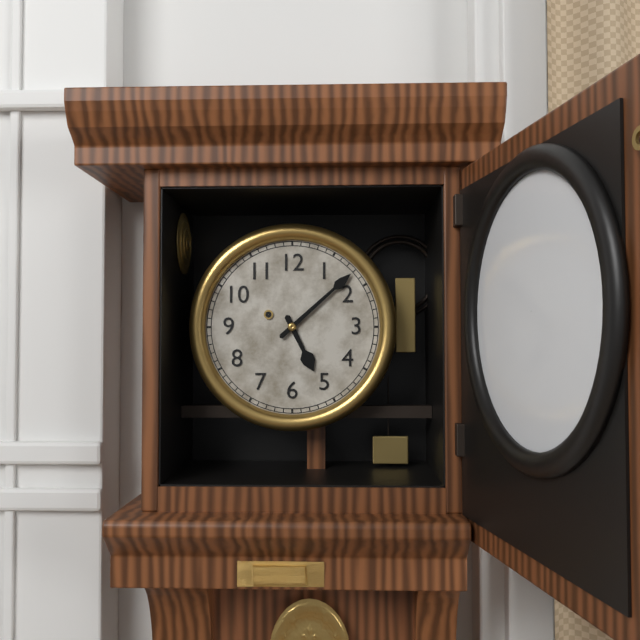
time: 5:08
